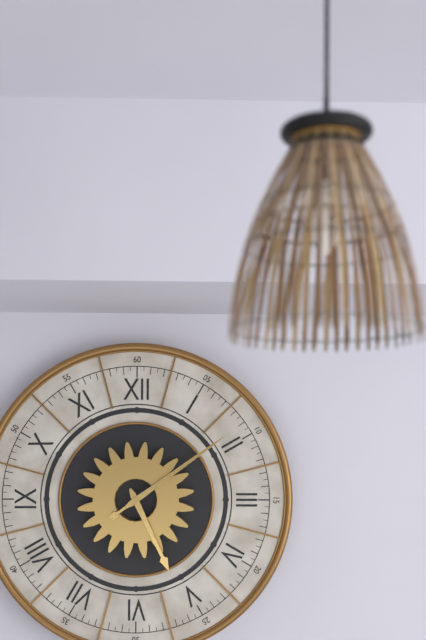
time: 5:09
